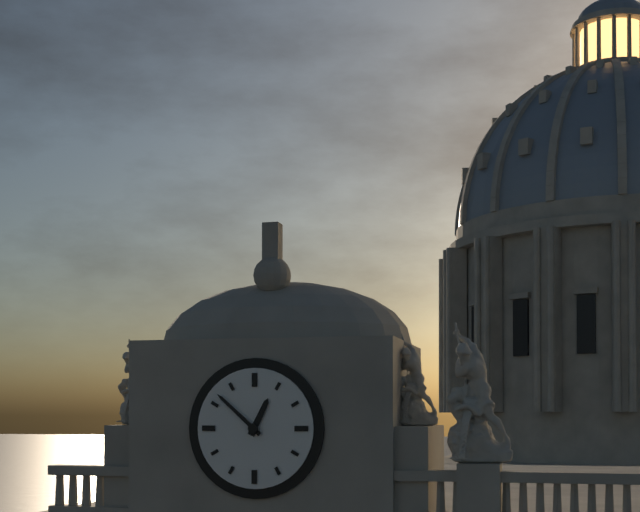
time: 12:52
